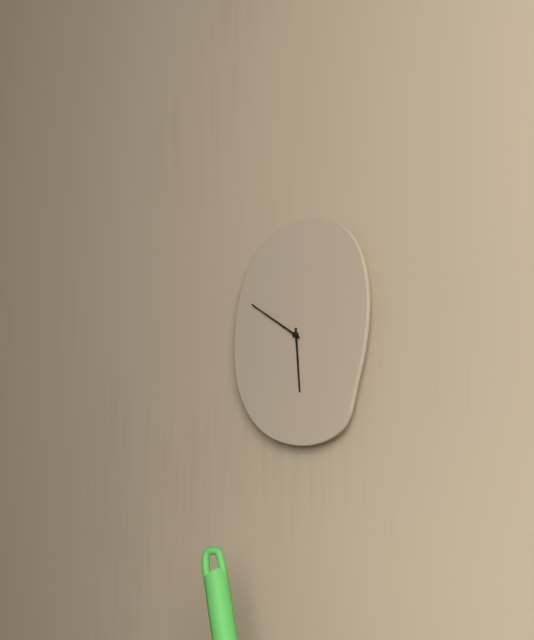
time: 5:50
